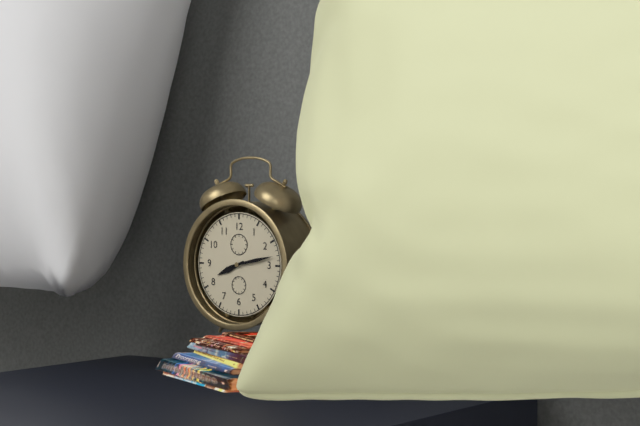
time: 8:13
